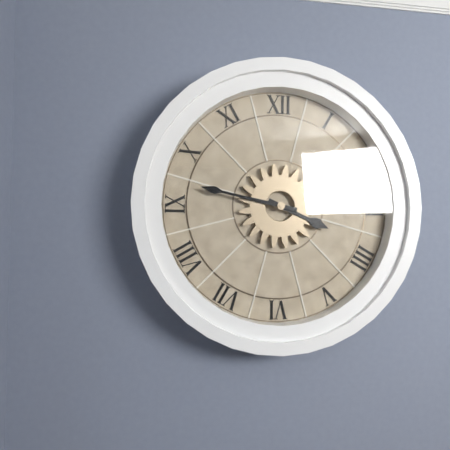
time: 3:47
